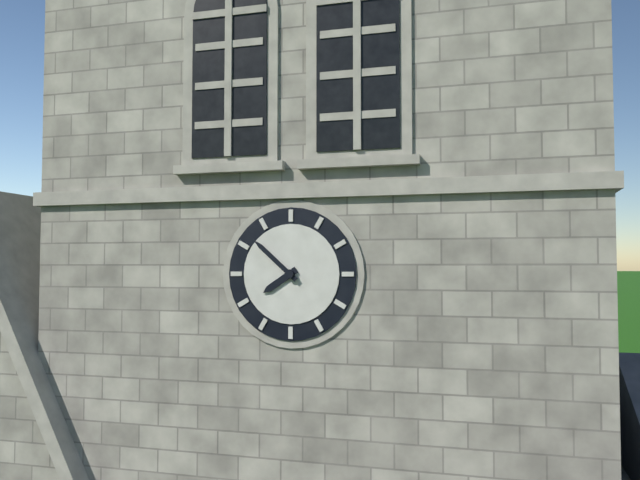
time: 7:52
